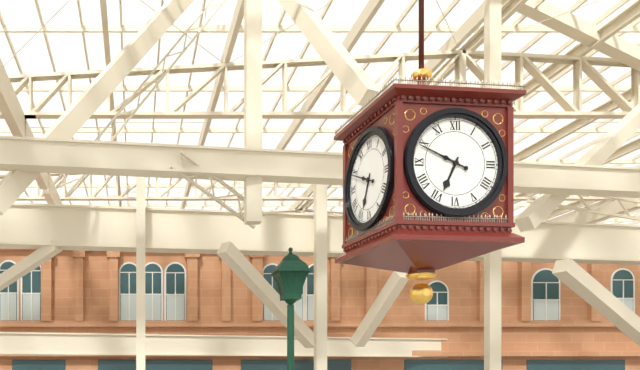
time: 6:49
